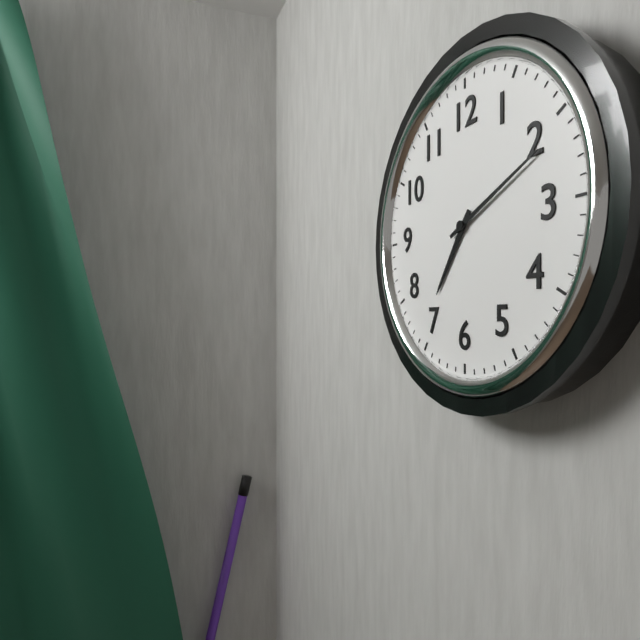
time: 7:11
